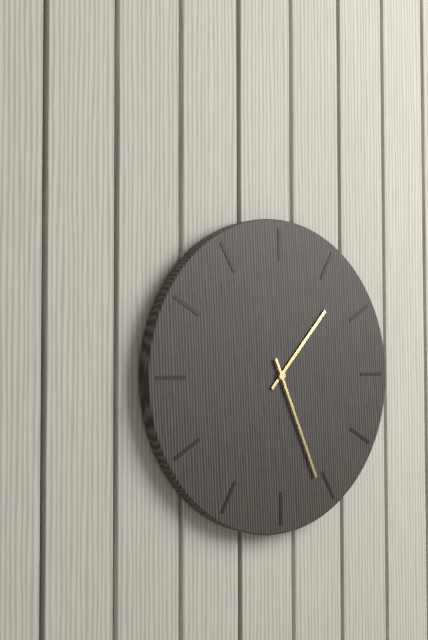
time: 1:26
